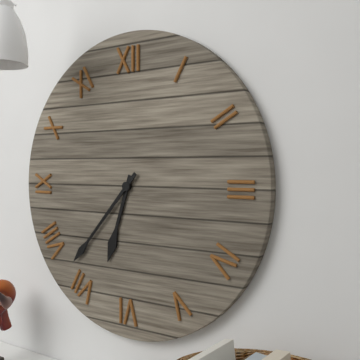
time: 6:37
